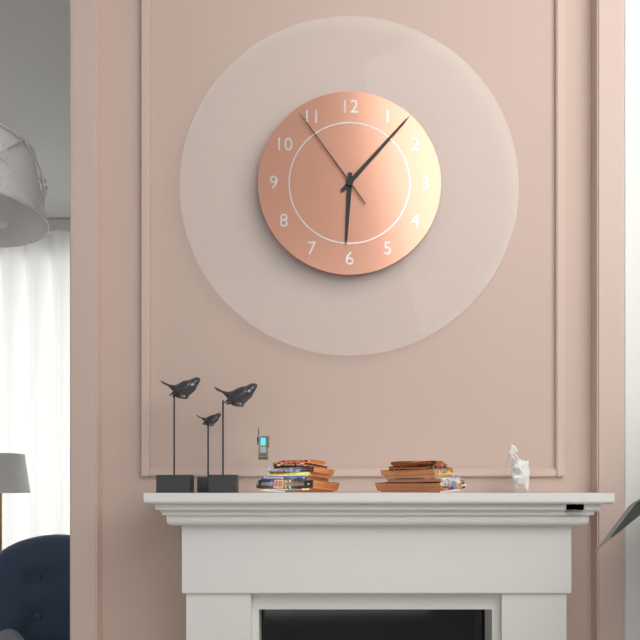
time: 6:07:54
